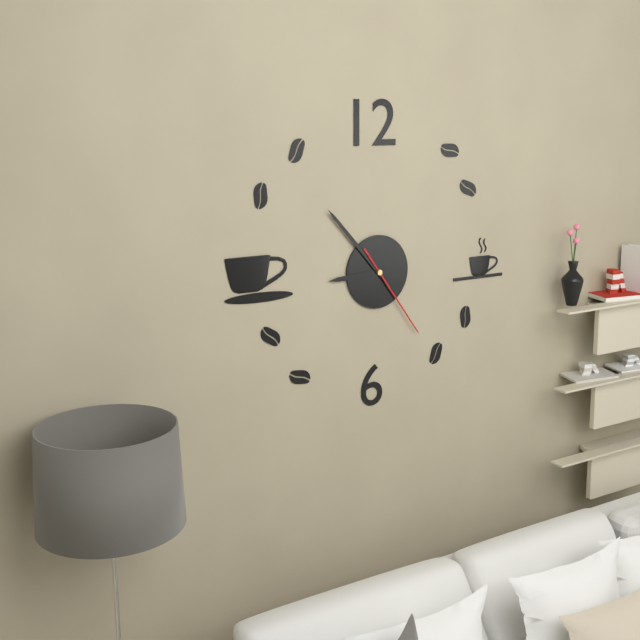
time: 8:53:24
